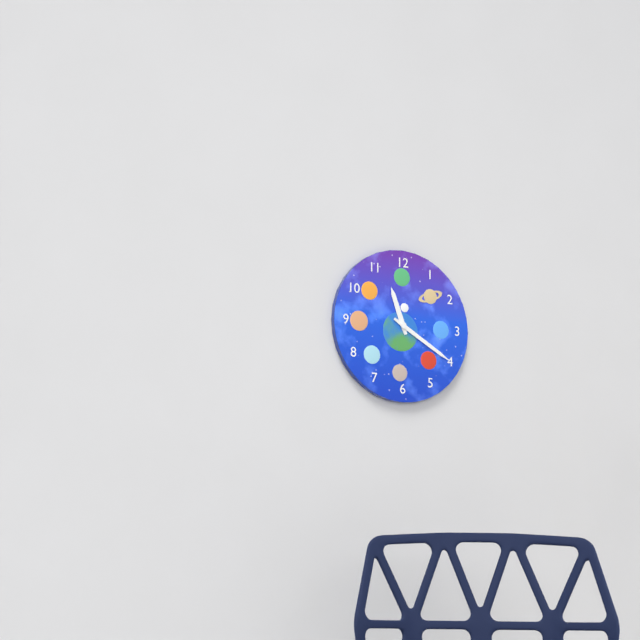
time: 11:20
